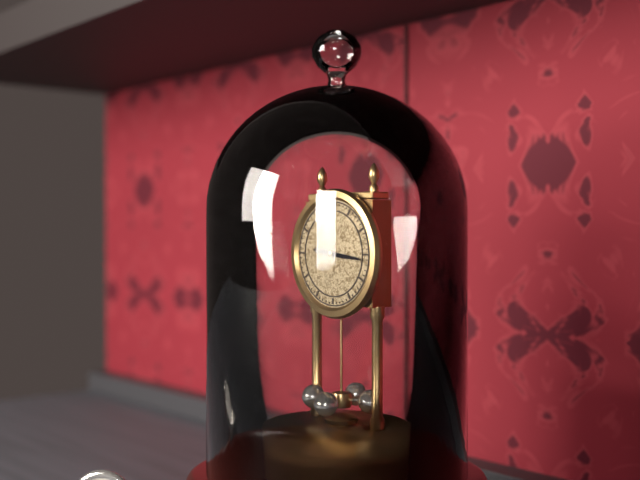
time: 9:16
